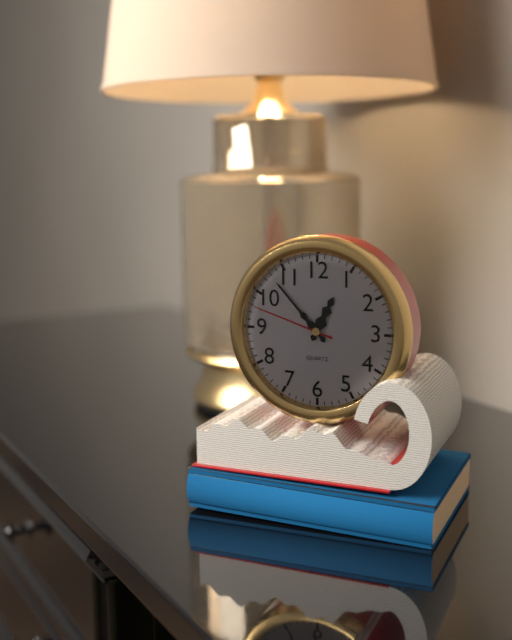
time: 12:53:48
